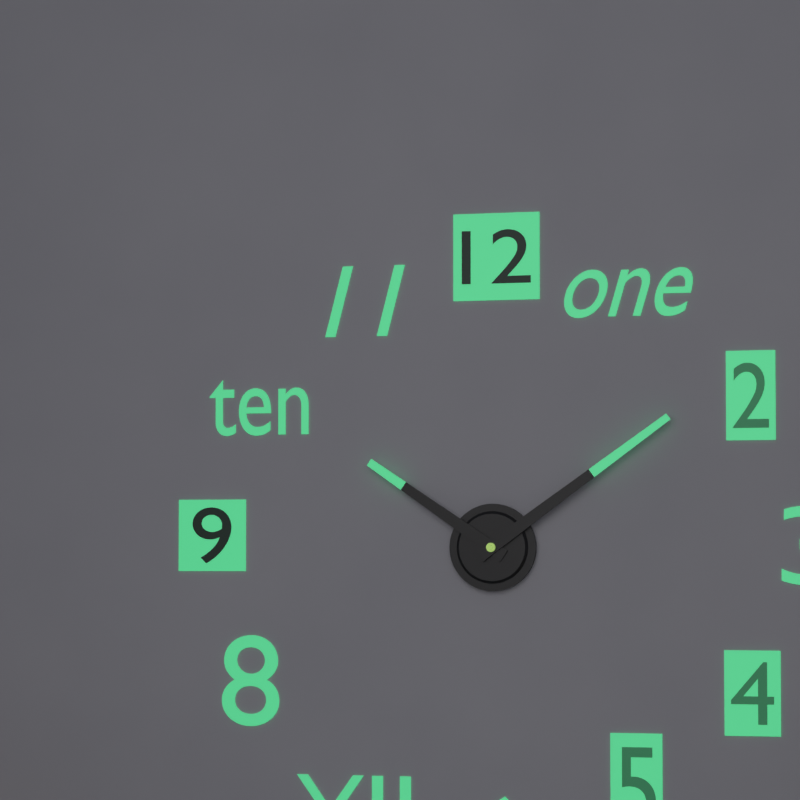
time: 10:09
